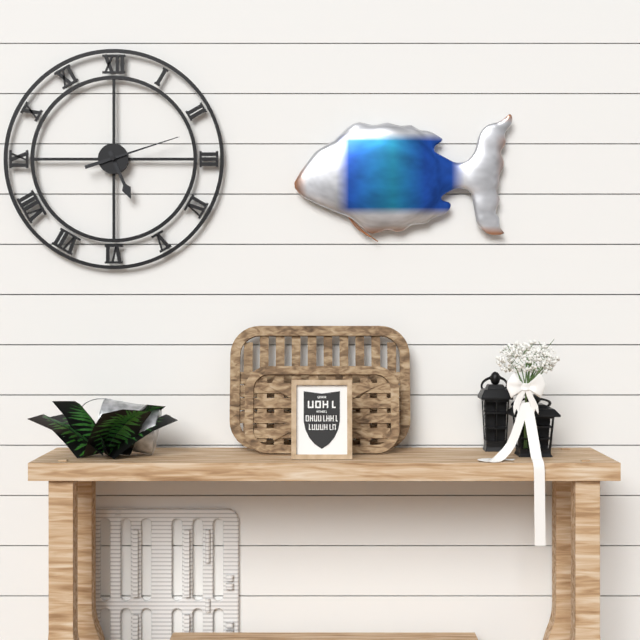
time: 5:12
